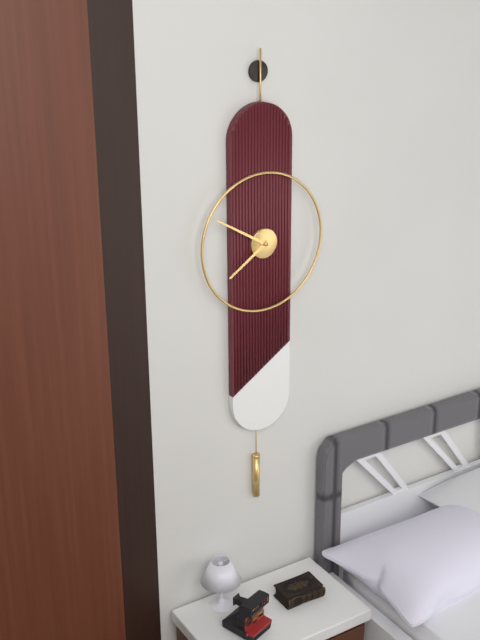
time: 7:50
